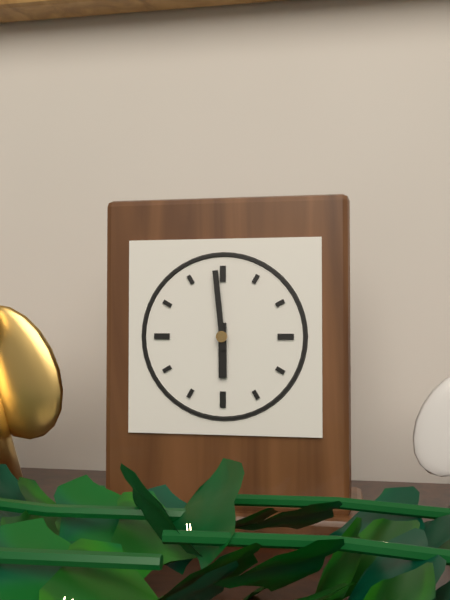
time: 5:59
